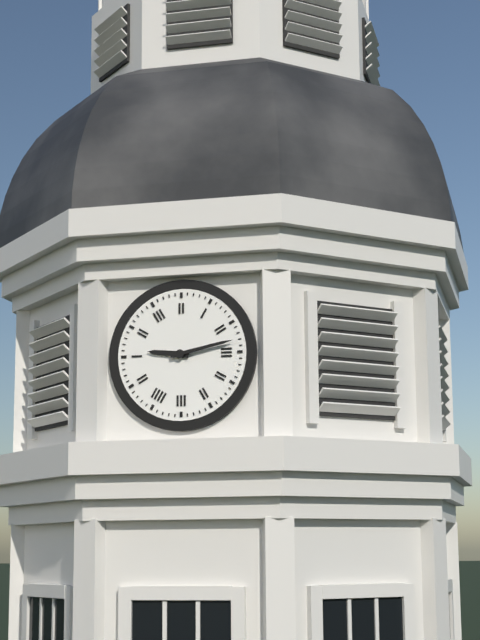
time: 9:13
